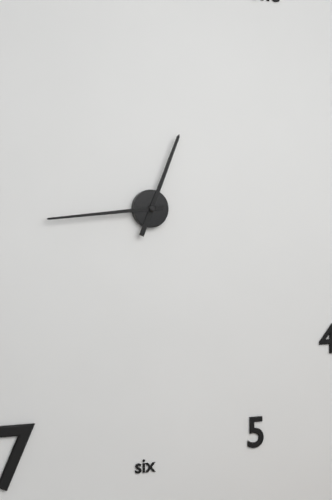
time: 12:44
